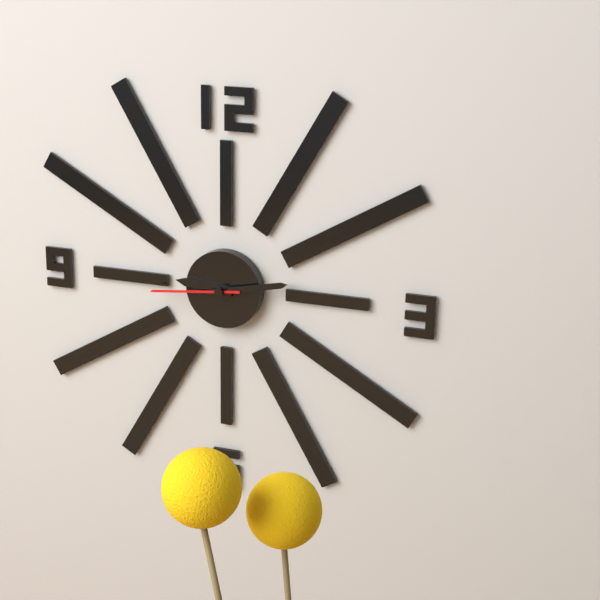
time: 9:13:44
